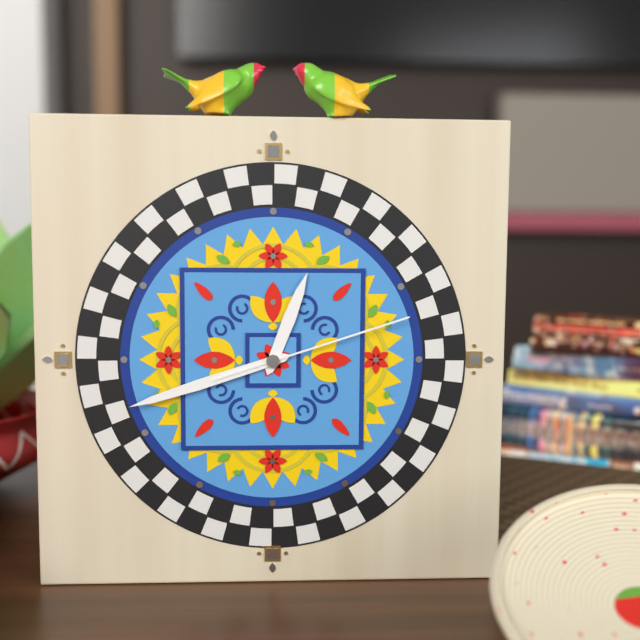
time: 12:42:12
